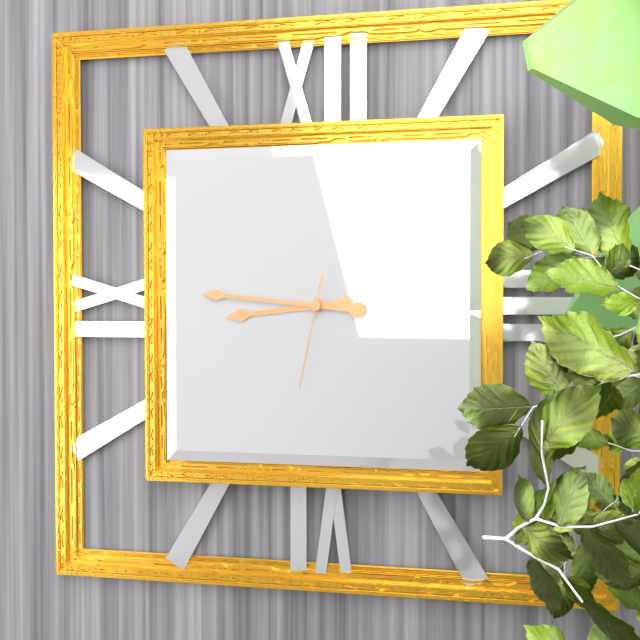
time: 8:46:32
